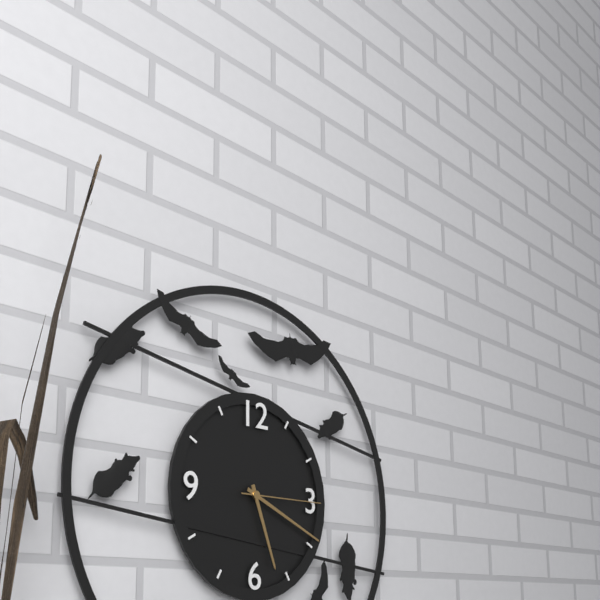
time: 5:19:15
